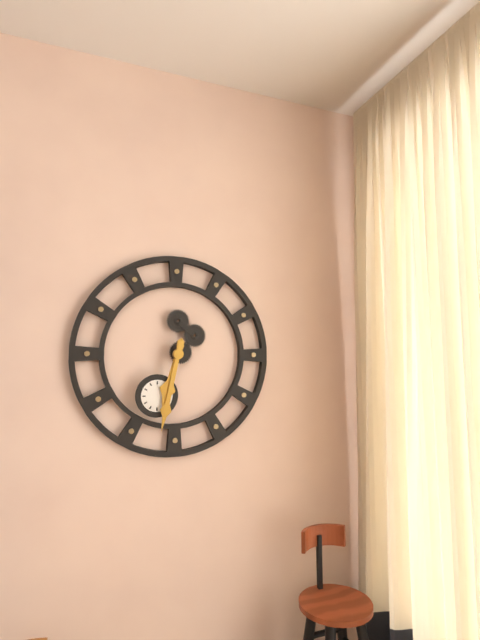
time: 6:32
